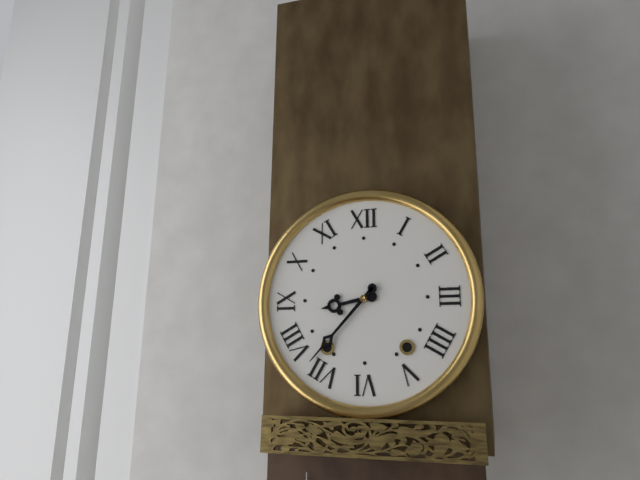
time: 8:37
